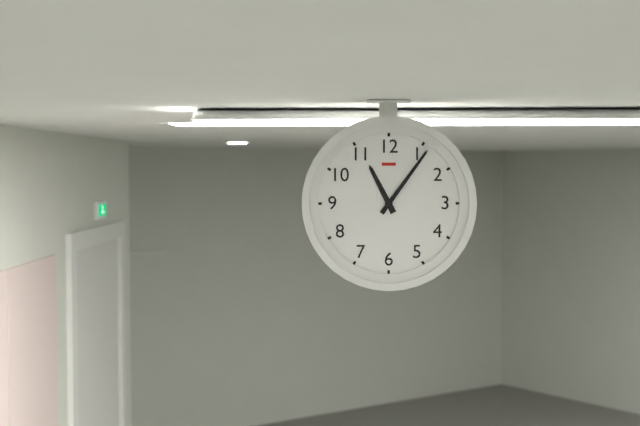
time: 11:06
